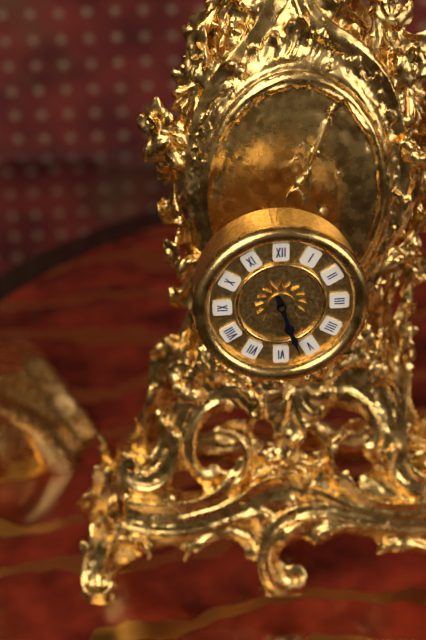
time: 5:27
